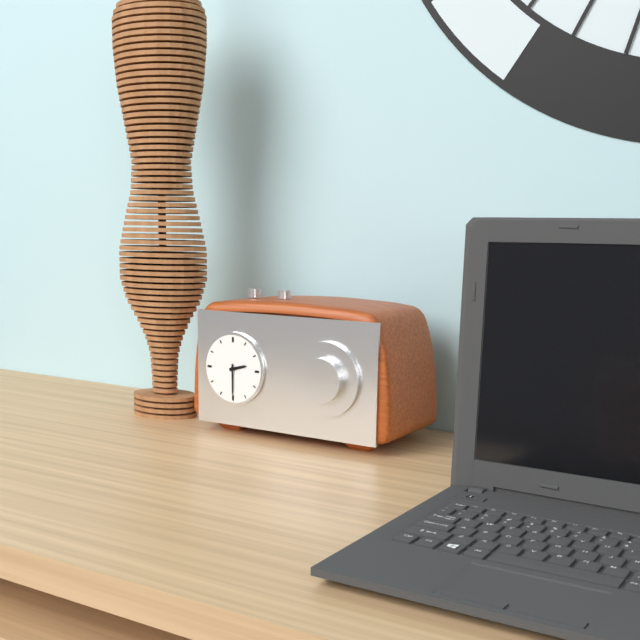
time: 2:30
